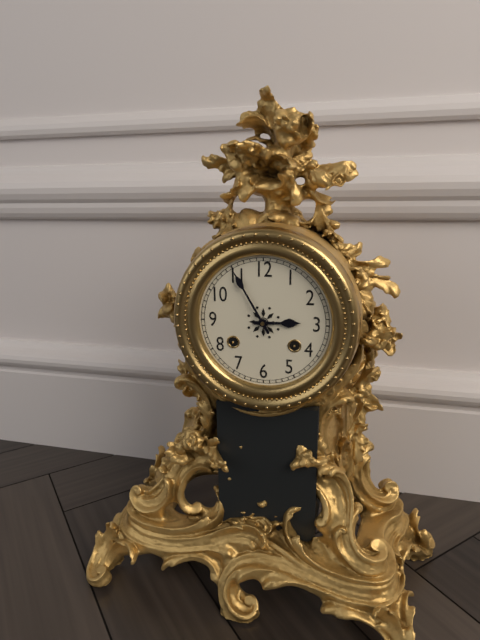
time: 2:55
